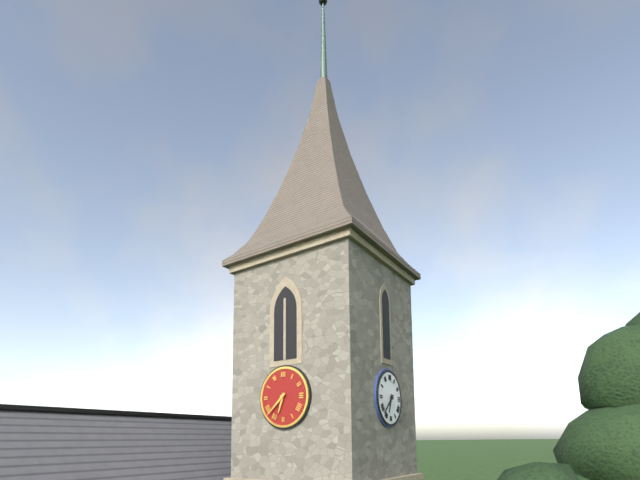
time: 6:38
